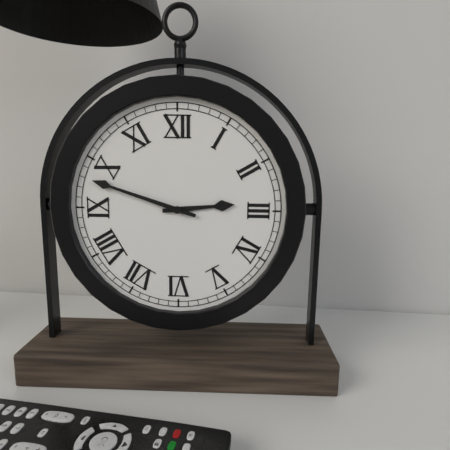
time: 2:48
